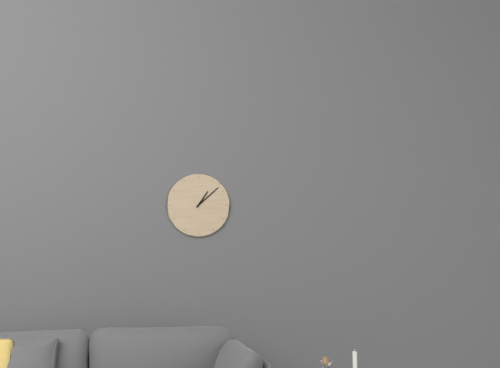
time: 1:08
